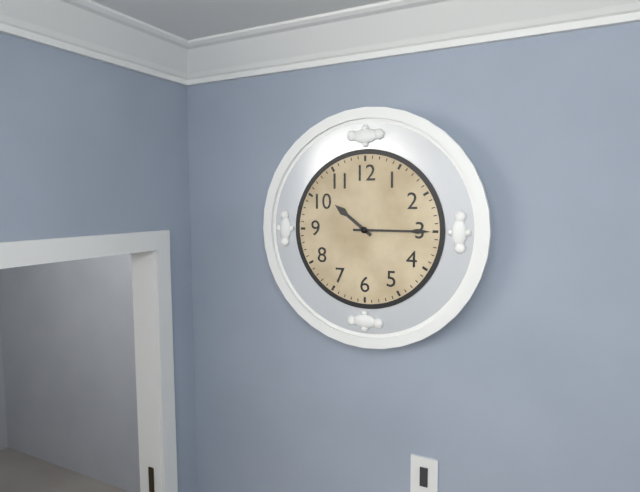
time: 10:15
